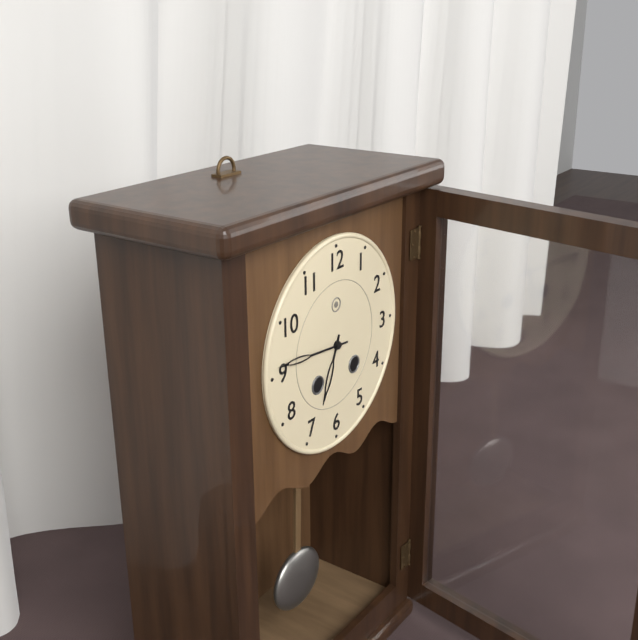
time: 6:46
